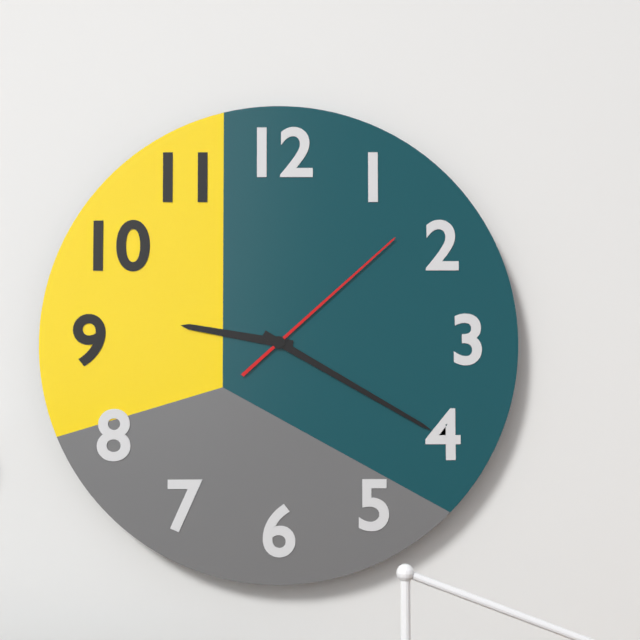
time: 9:20:08
